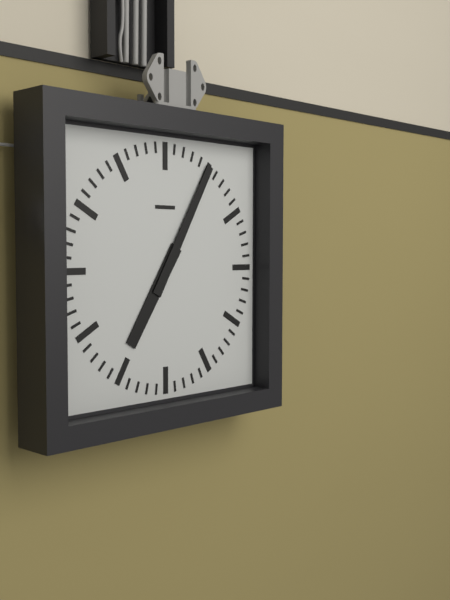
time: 7:05
